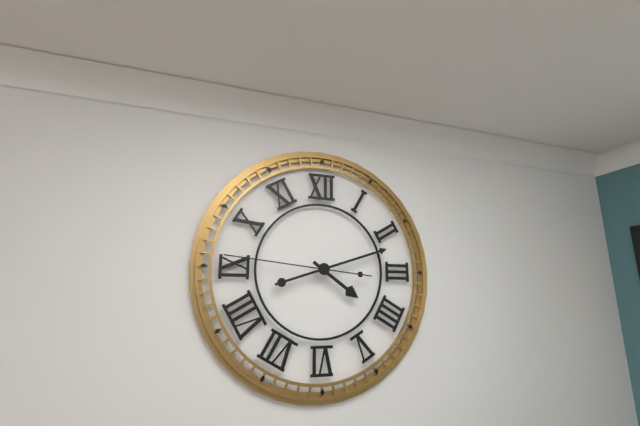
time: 4:12:46
